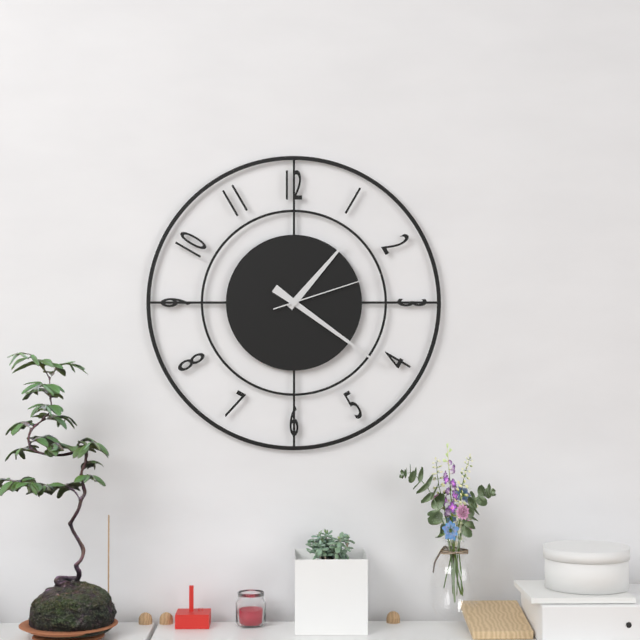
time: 1:21:12
